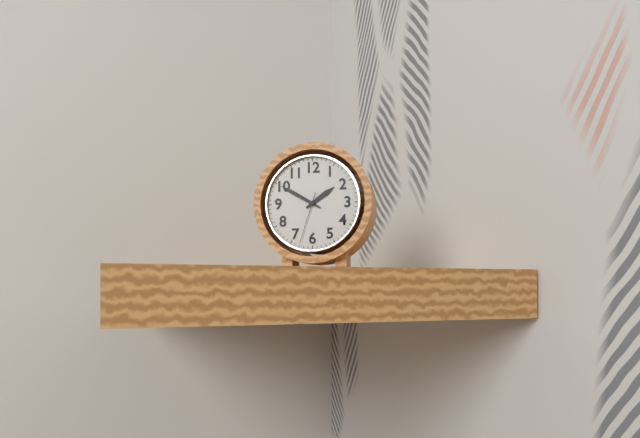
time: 1:50:33
